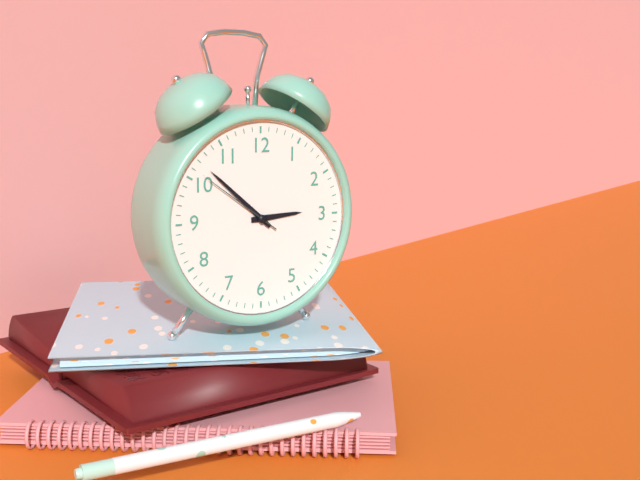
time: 2:52:51
